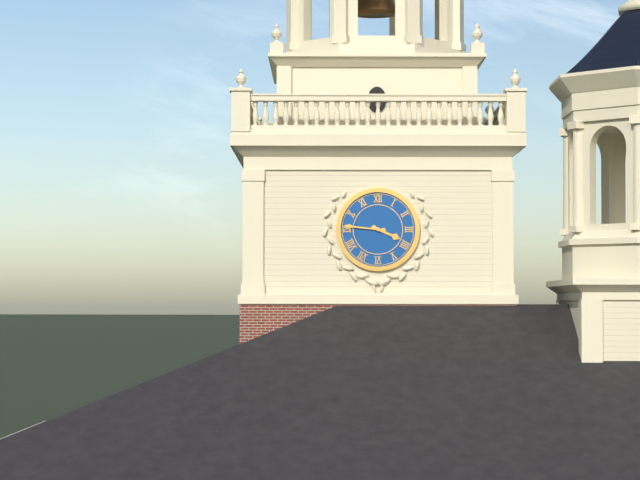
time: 3:46
